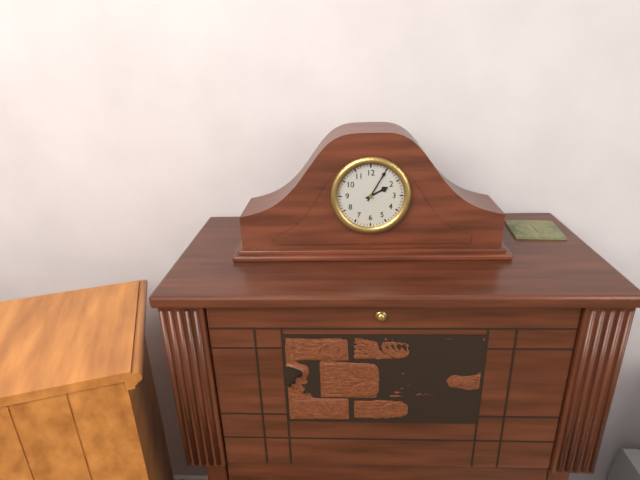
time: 2:05
